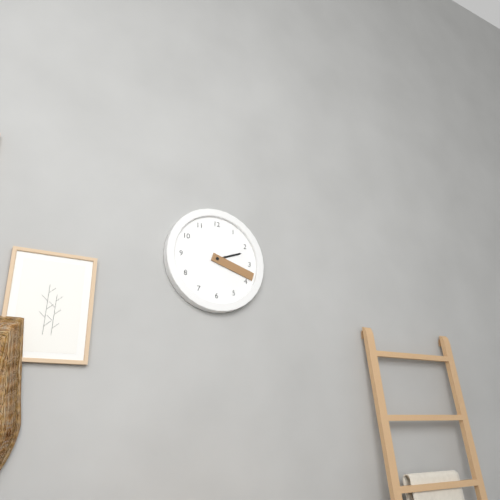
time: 2:18
